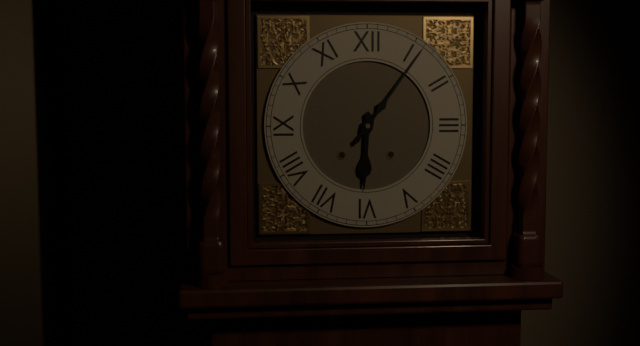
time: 6:06
